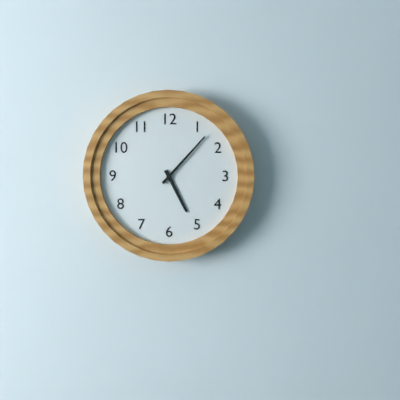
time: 5:07
